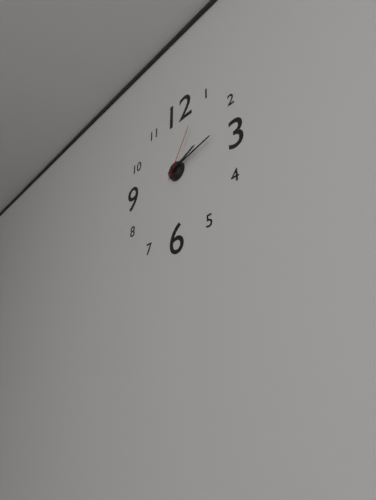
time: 2:13:05
